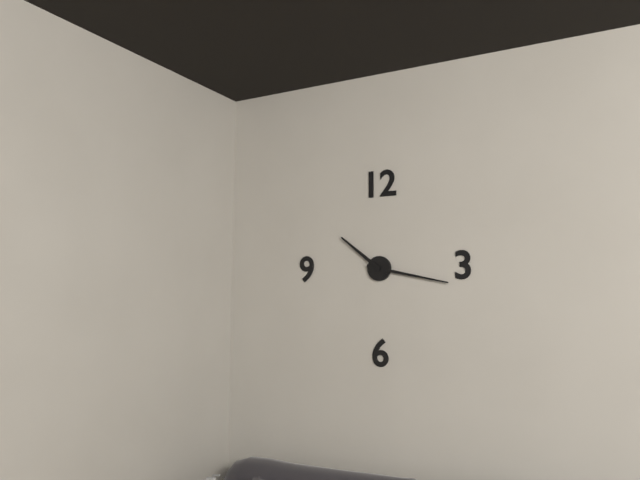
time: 10:17
